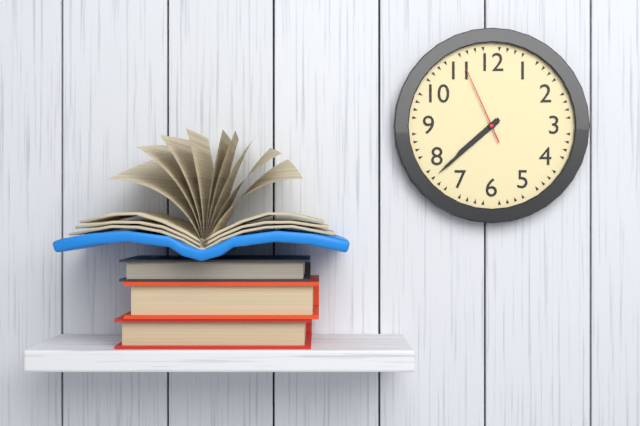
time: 7:38:56
